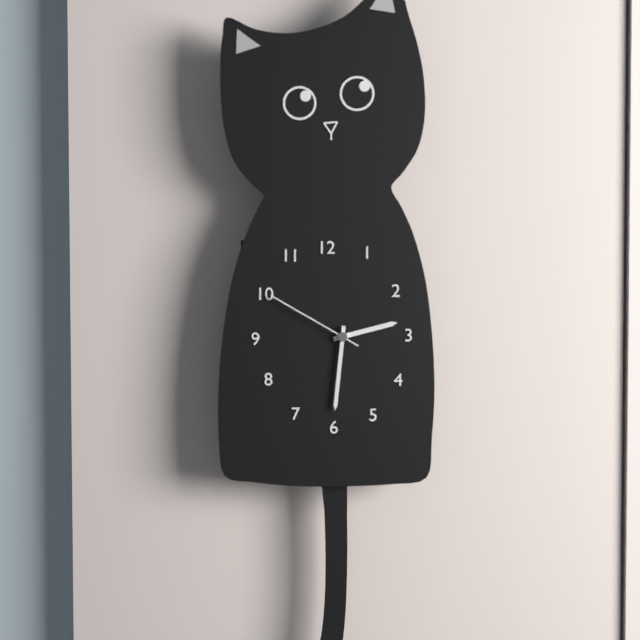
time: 2:31:50
